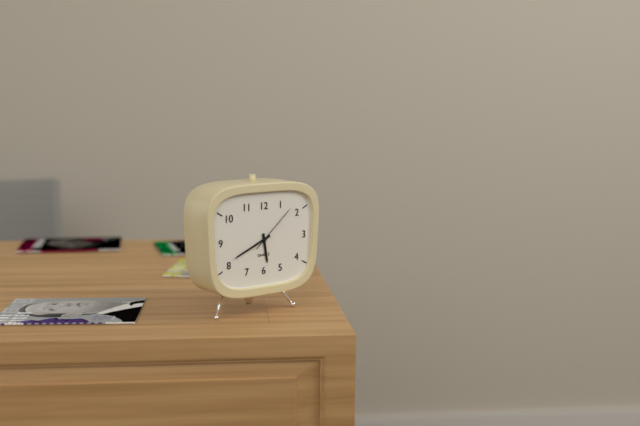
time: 5:41:08
